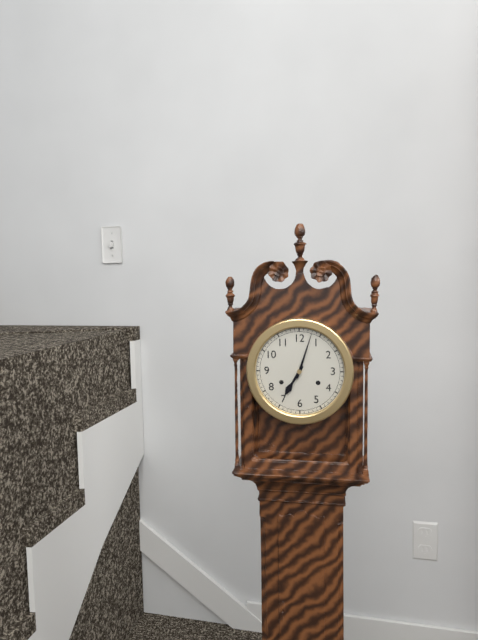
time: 7:03
